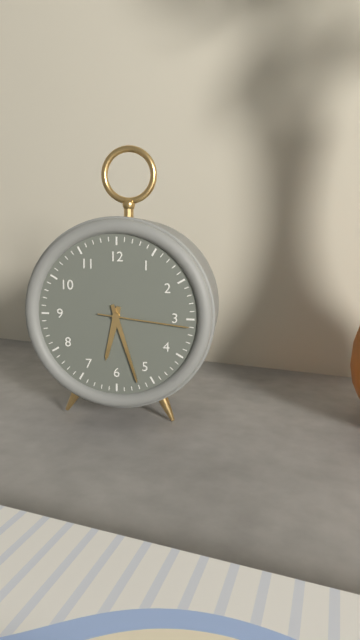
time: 6:27:16
